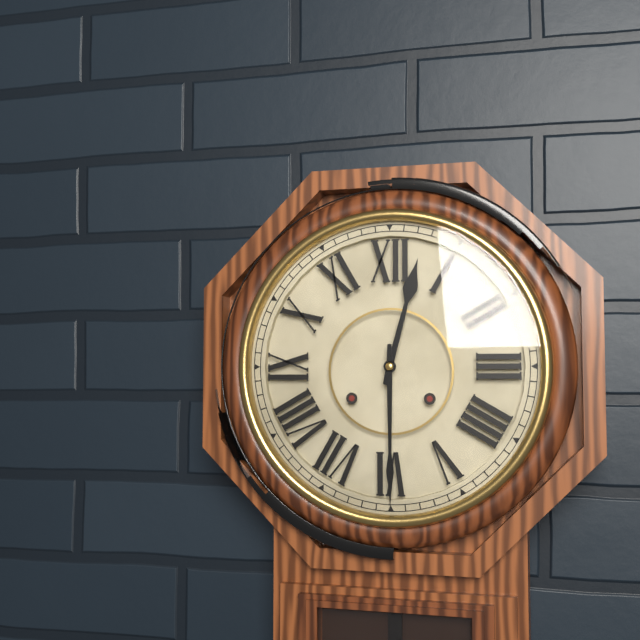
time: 12:30
